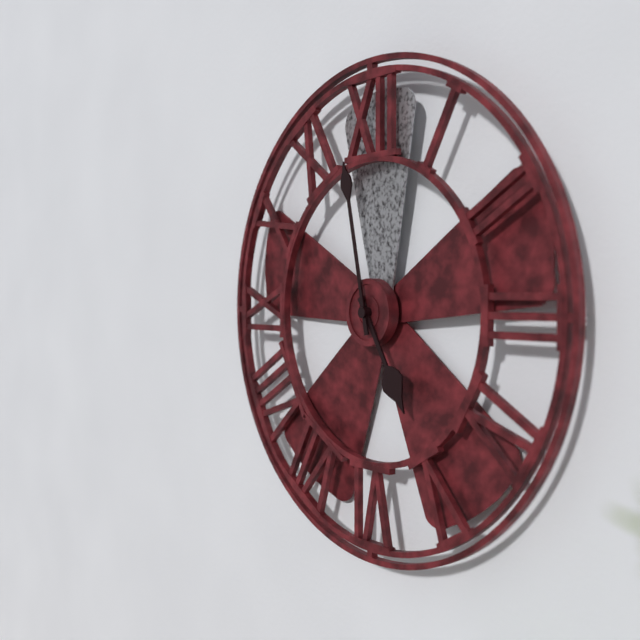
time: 4:58
